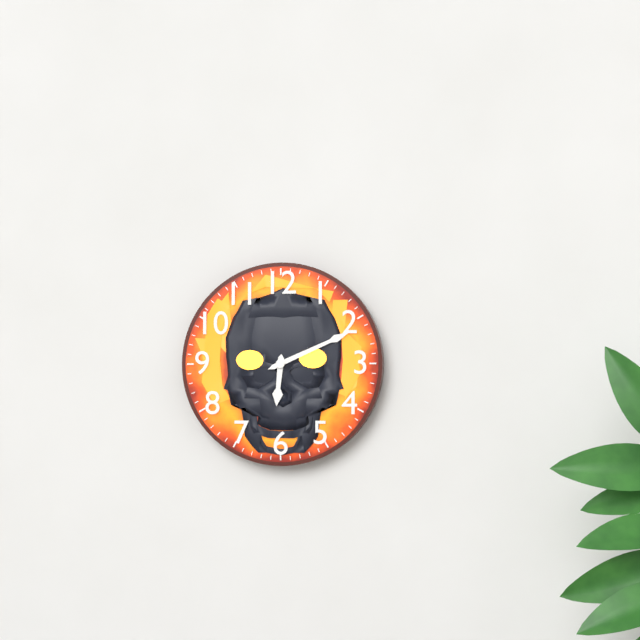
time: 6:11
